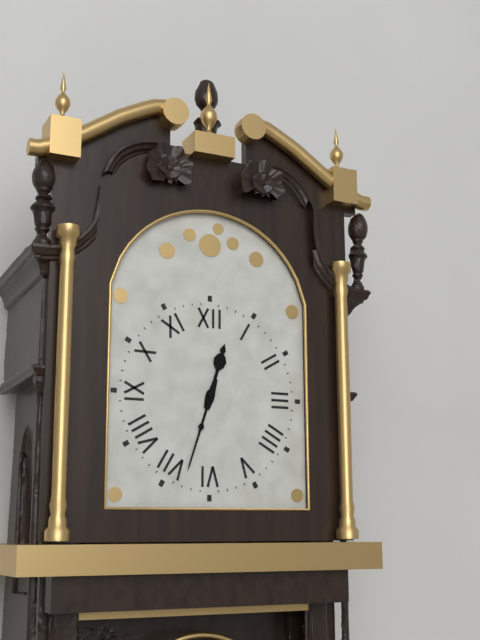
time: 12:33
